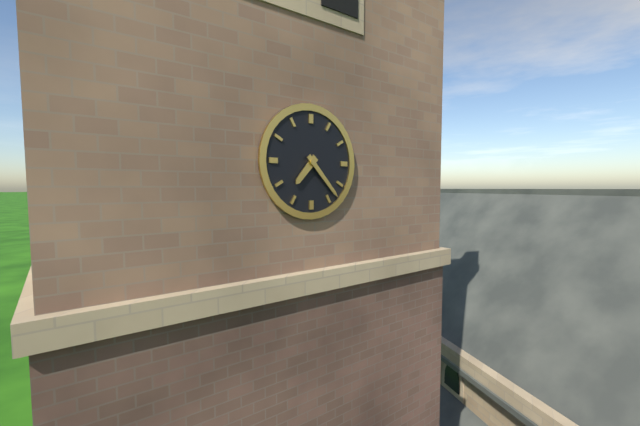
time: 7:23
